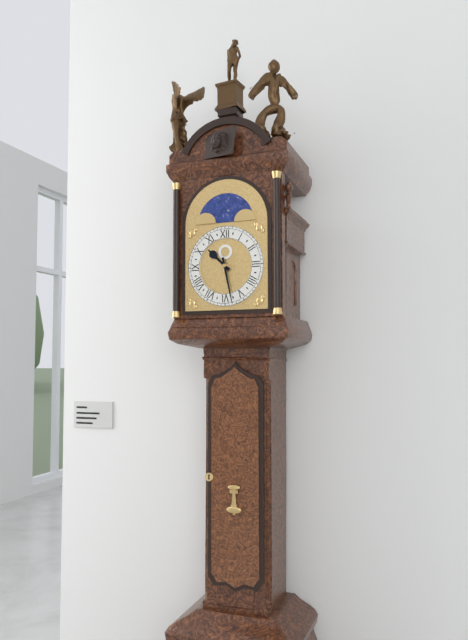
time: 10:28
